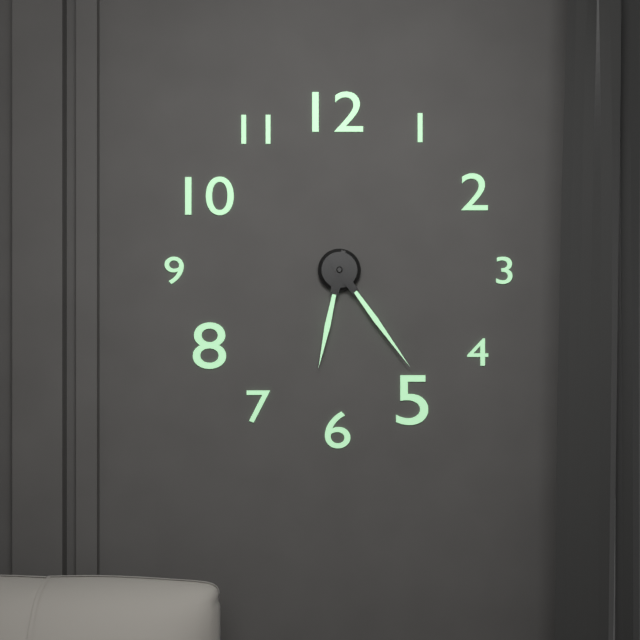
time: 6:24
